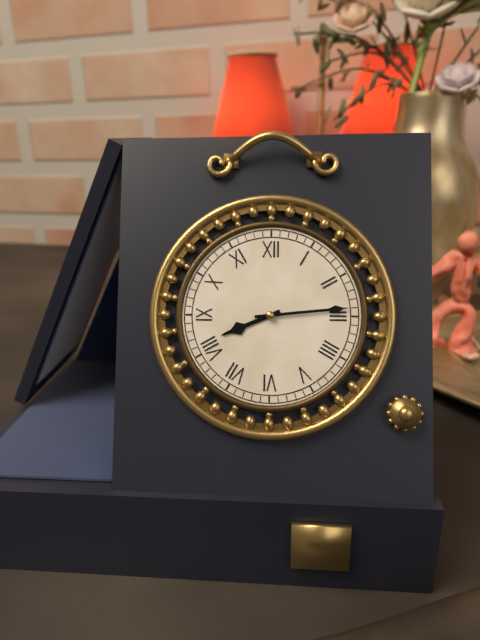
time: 8:14
